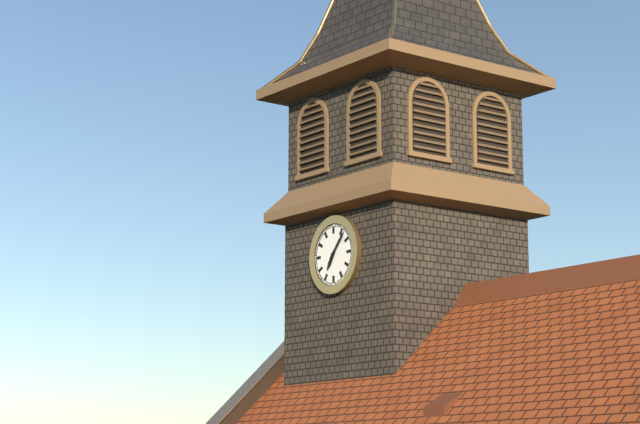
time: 7:07
